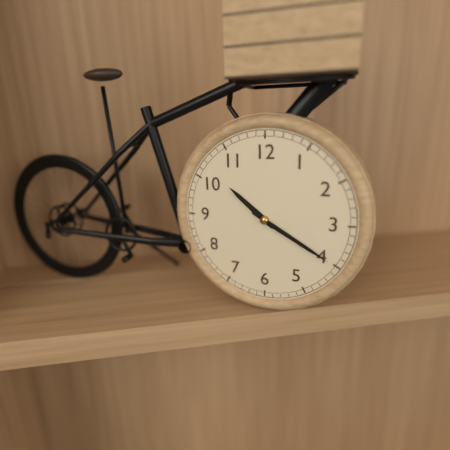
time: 10:20
